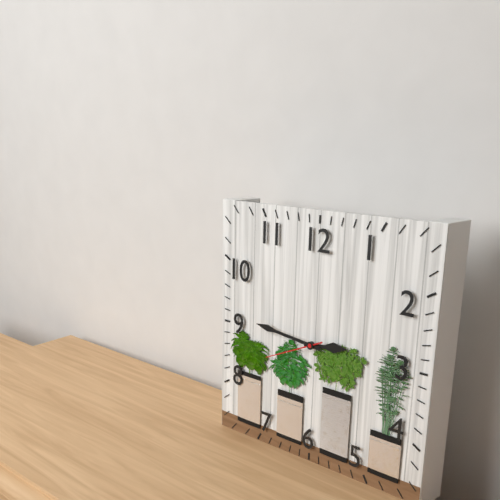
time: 2:46:41
